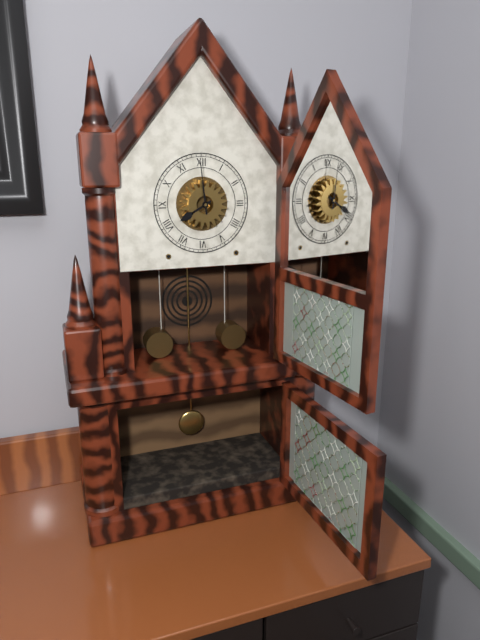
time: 7:59
